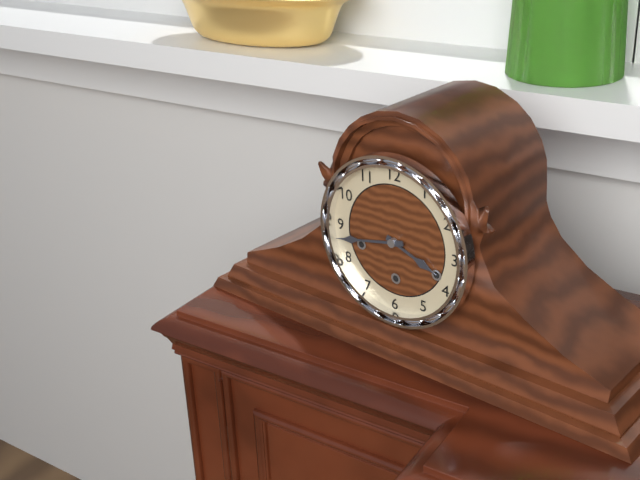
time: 3:43
